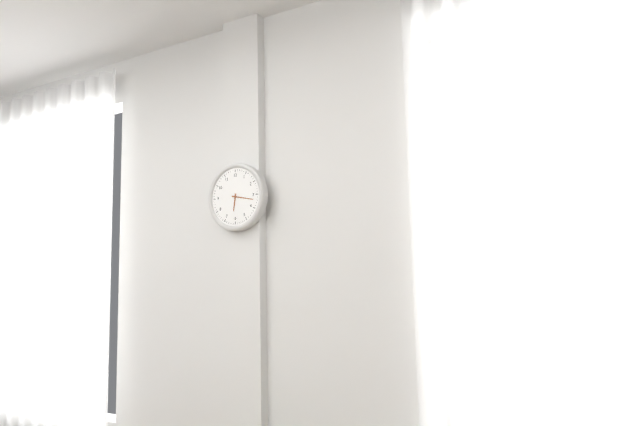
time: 6:17
